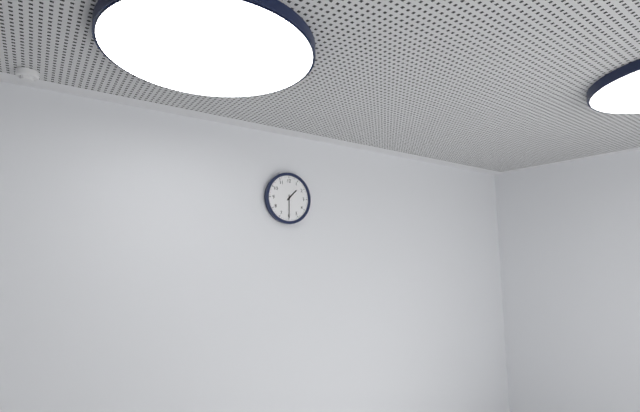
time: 1:30
